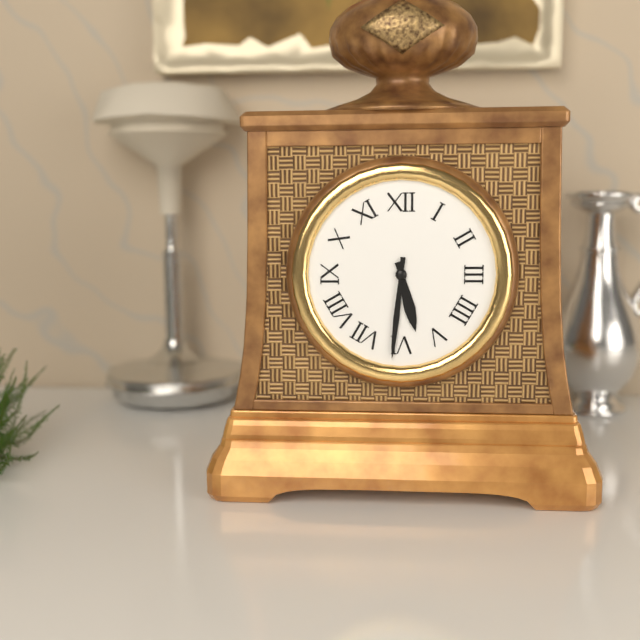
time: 5:31
